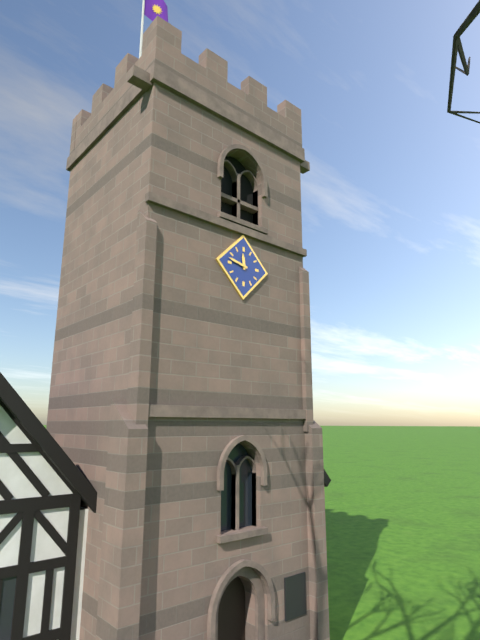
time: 11:47
